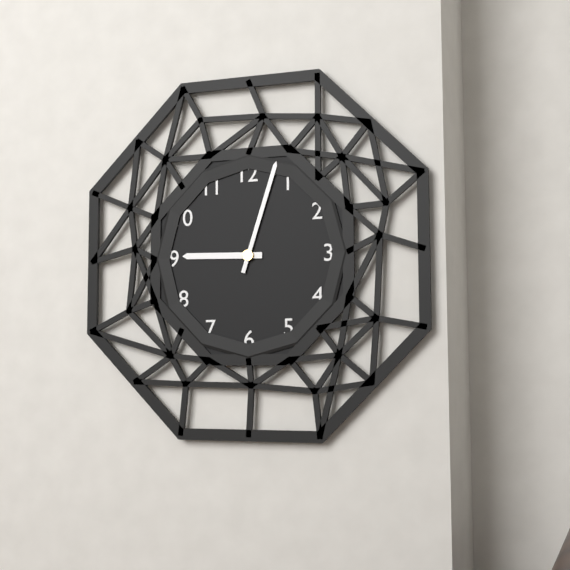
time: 9:03
